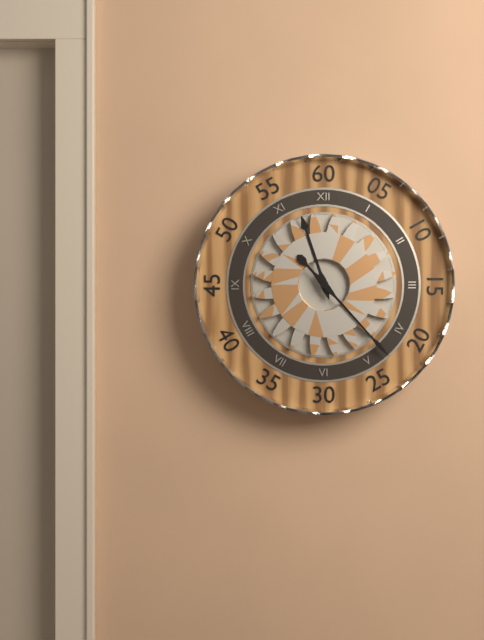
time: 11:23
